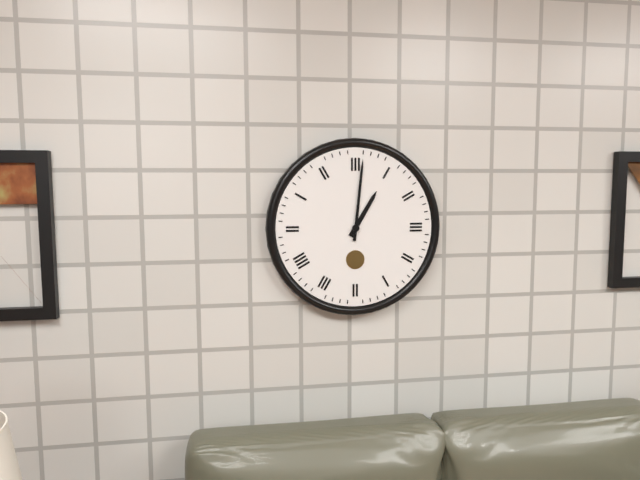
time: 1:01
